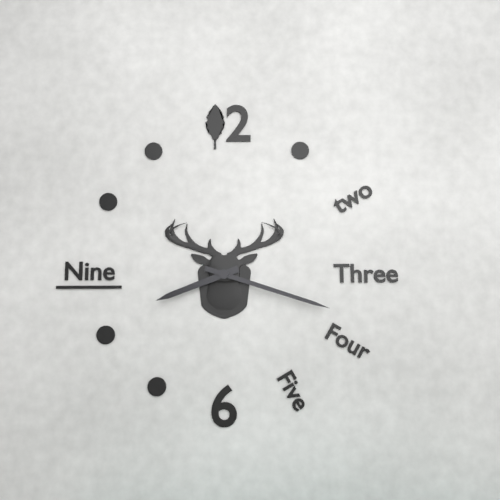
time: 8:18
